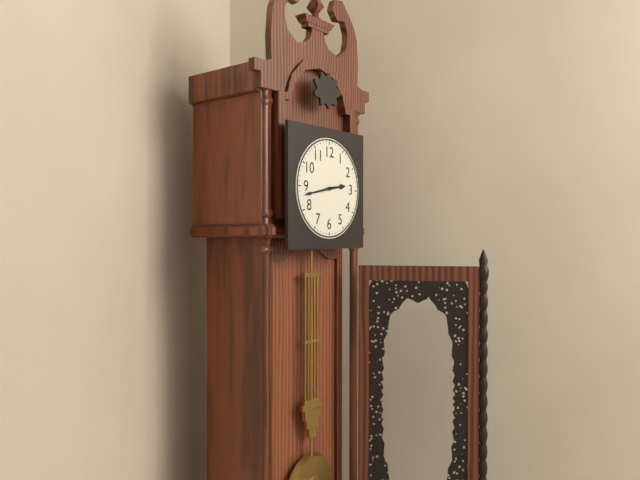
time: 2:43
